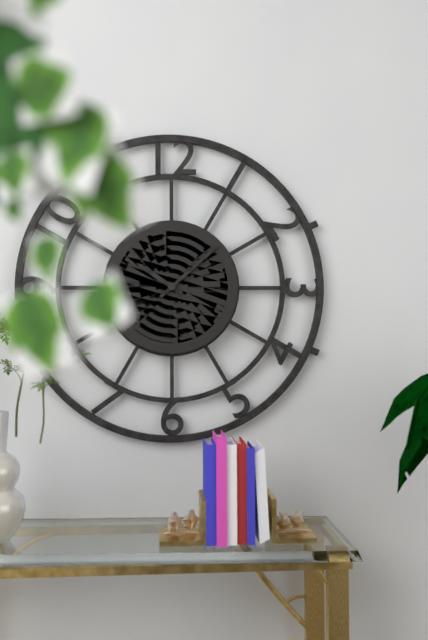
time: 10:08
